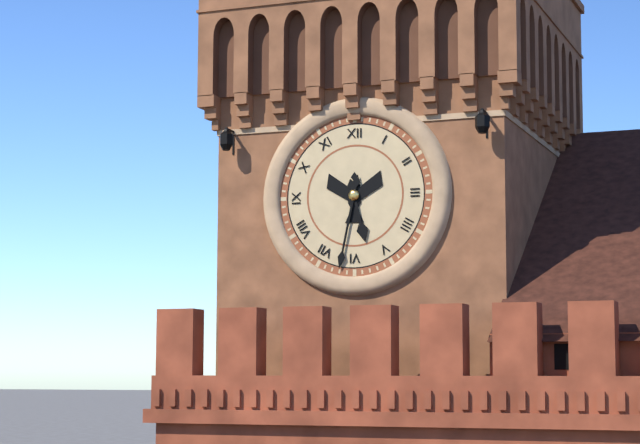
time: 5:32
